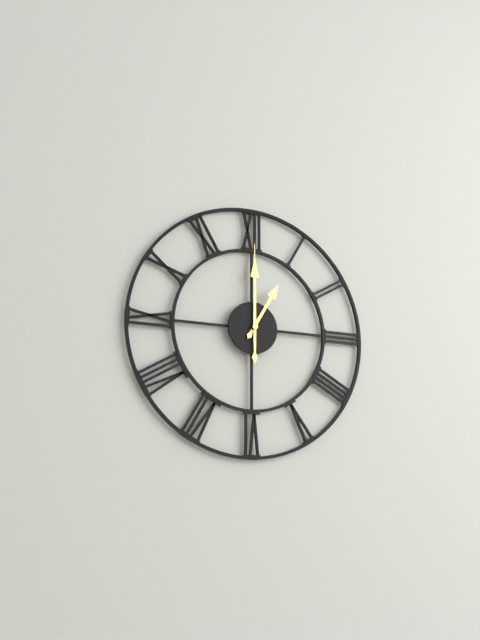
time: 1:00
